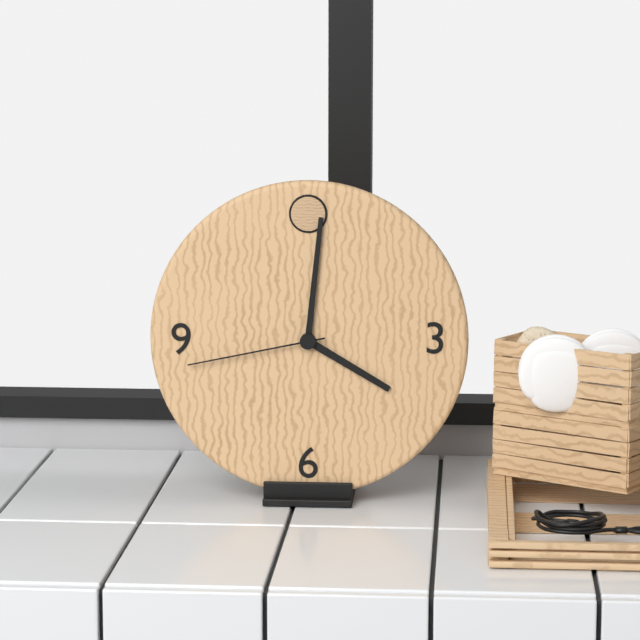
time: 4:01:43
